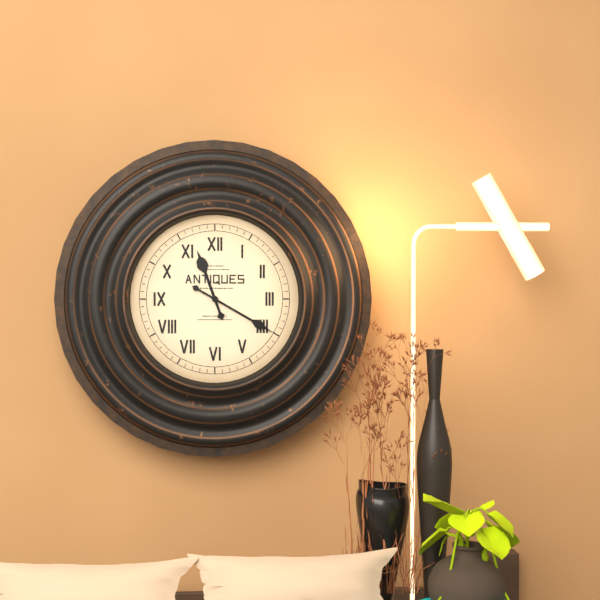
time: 11:20
